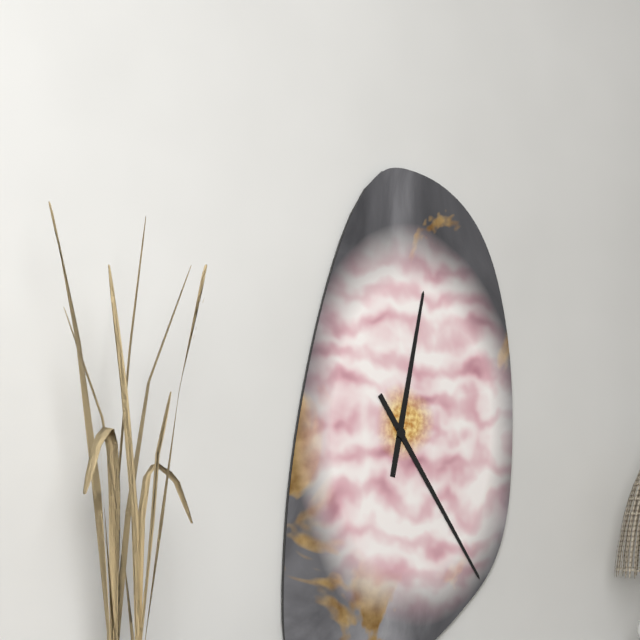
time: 12:24
